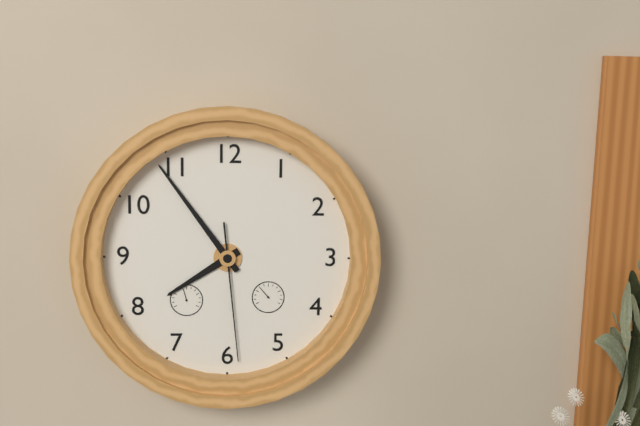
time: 7:54:29
